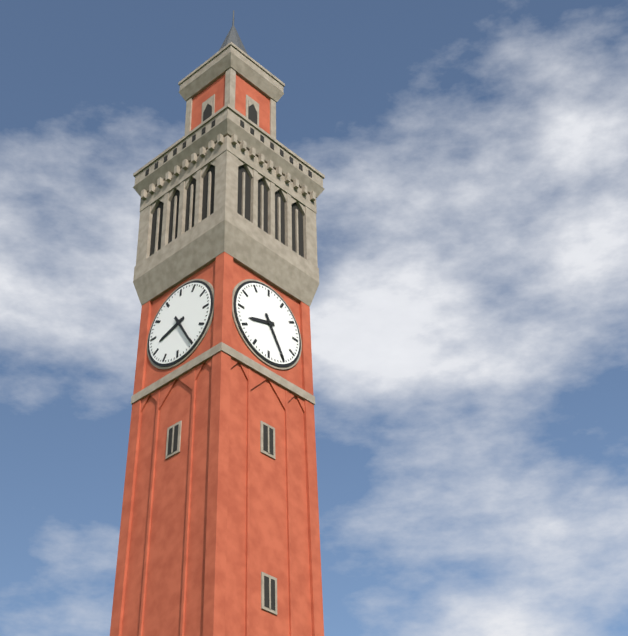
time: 8:25
